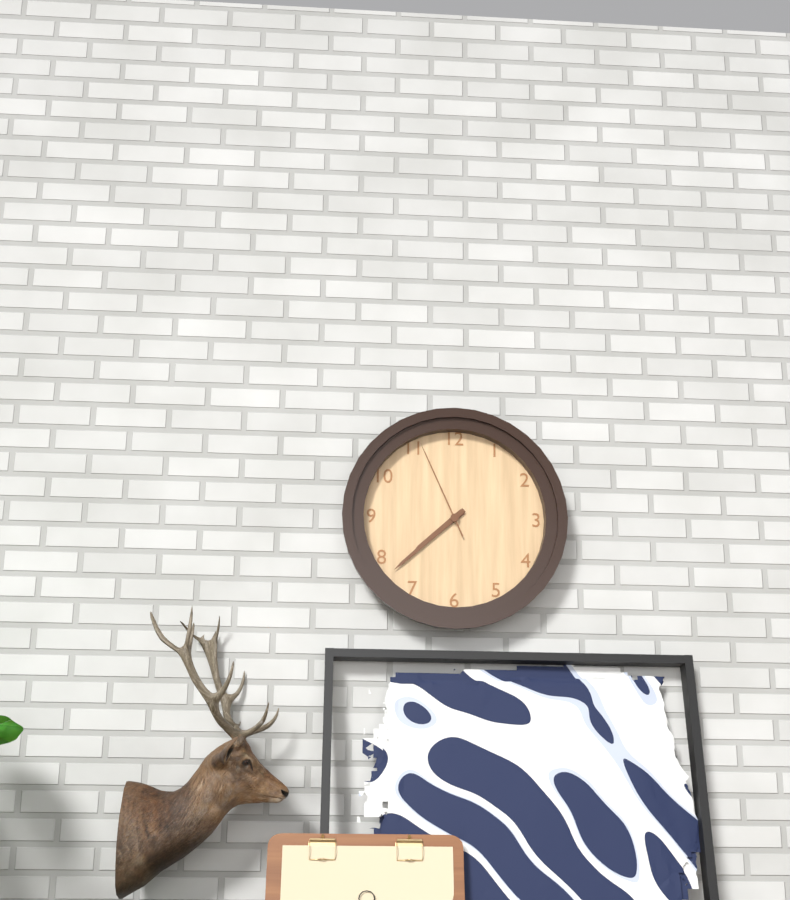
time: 7:38:56
